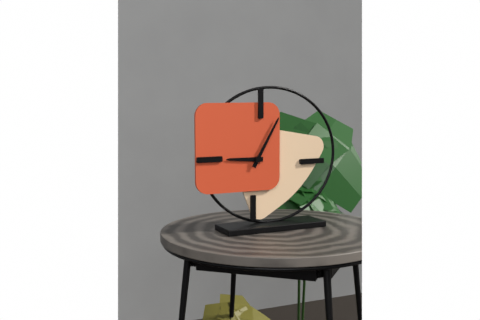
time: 9:05
